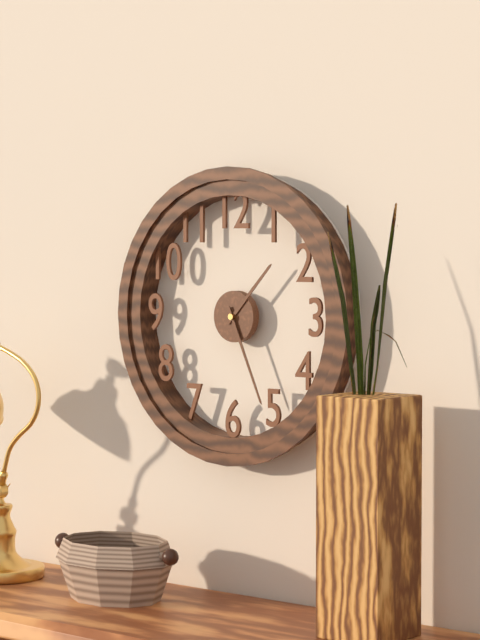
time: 1:26
